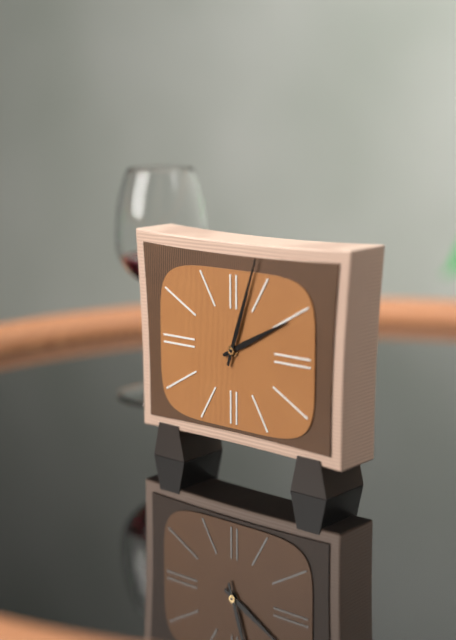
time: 2:03
